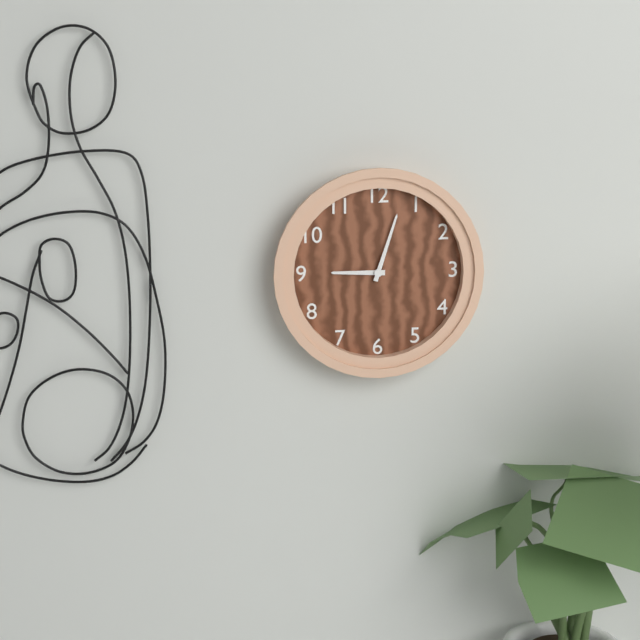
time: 9:03
